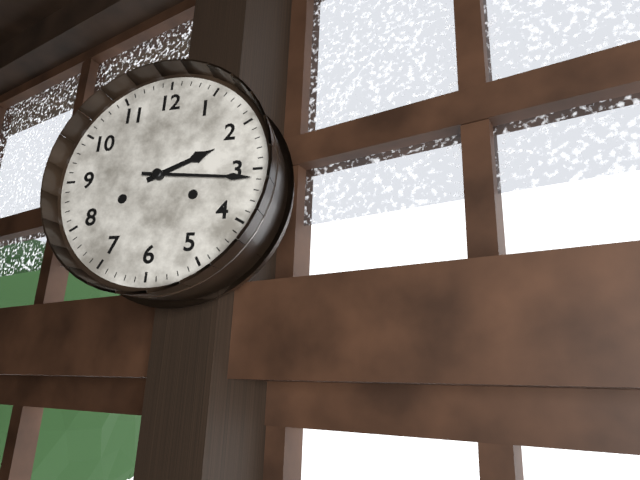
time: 2:16
